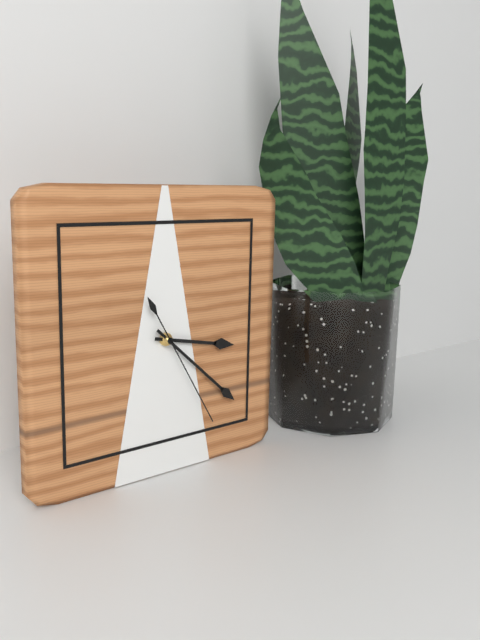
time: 3:22:25
